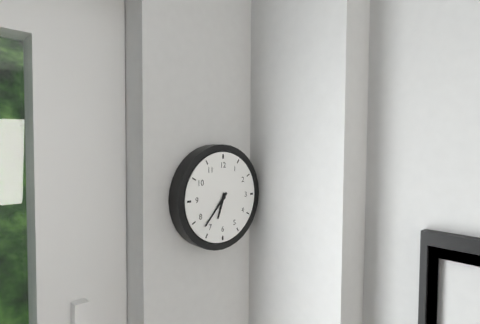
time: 6:37
